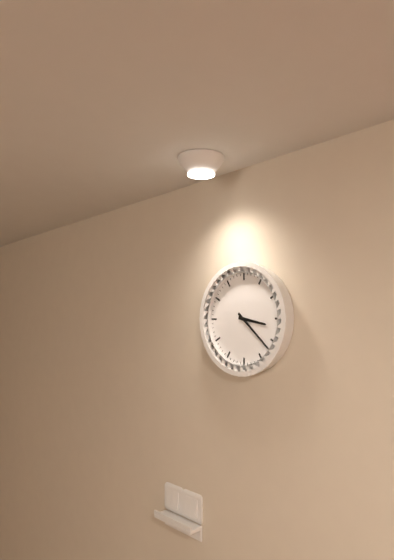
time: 3:22
